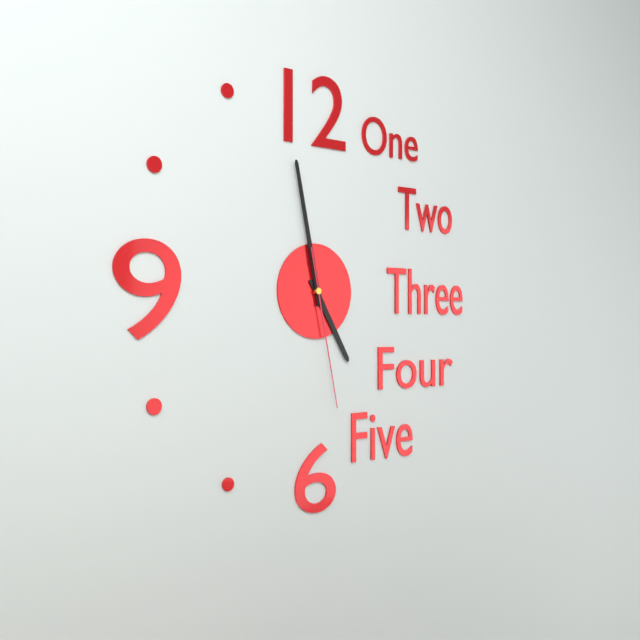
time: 4:58:28
